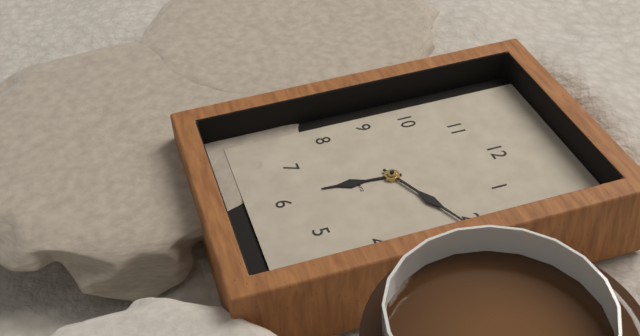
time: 6:11
